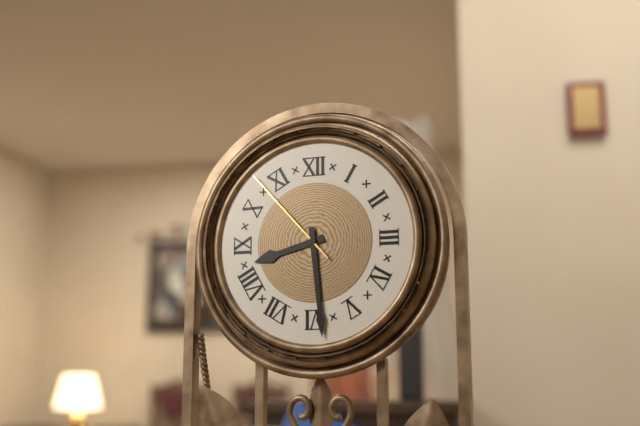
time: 8:29:53
